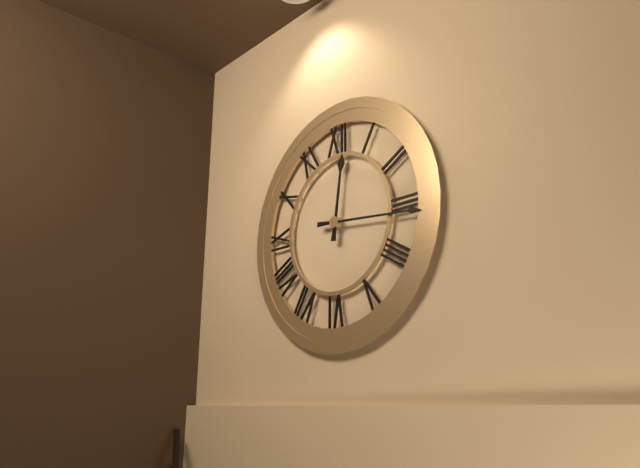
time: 12:16
